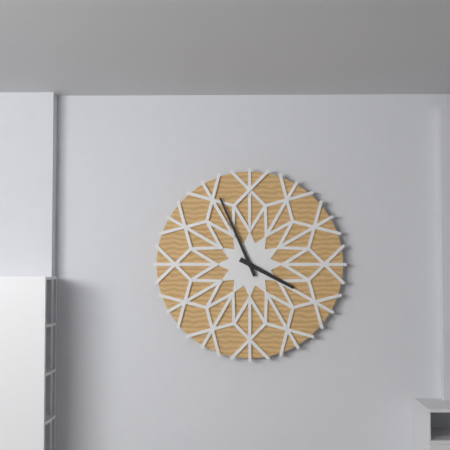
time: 3:56
